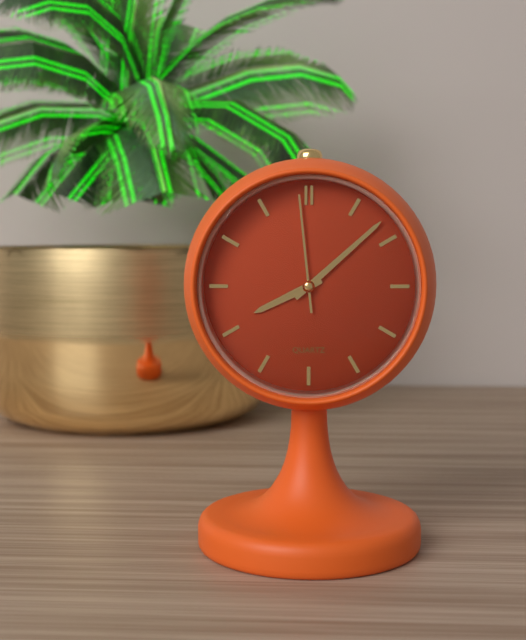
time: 8:08:59
